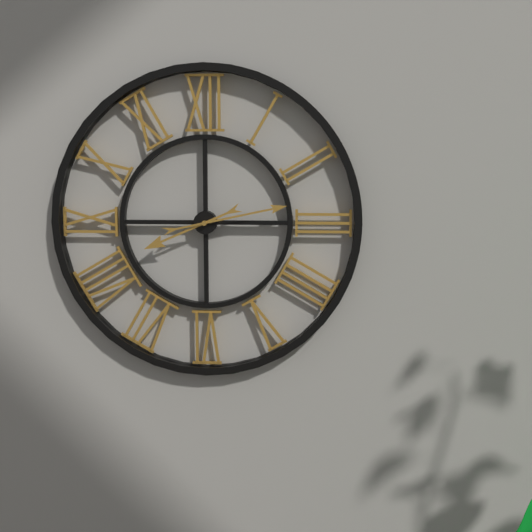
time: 8:13
